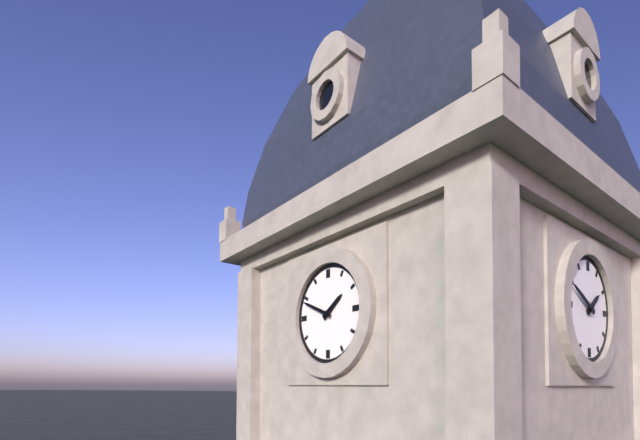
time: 1:49
